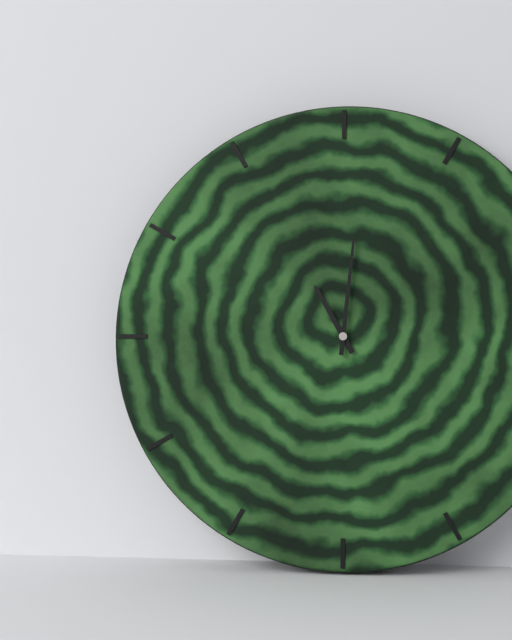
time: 11:01
